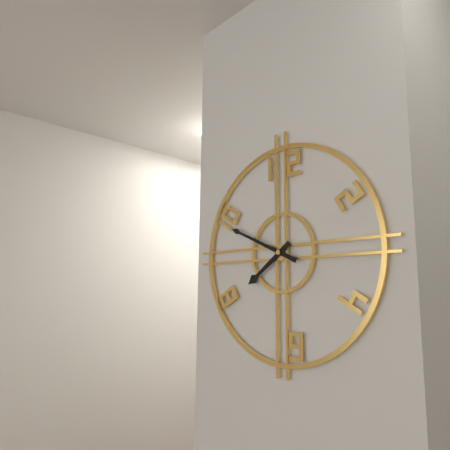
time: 7:49
